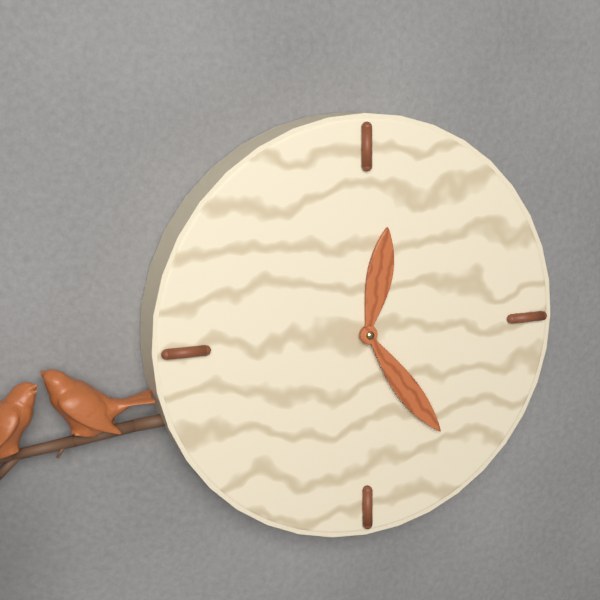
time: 12:24
